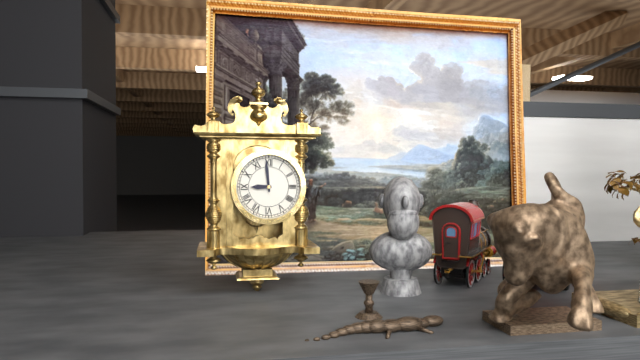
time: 8:59
